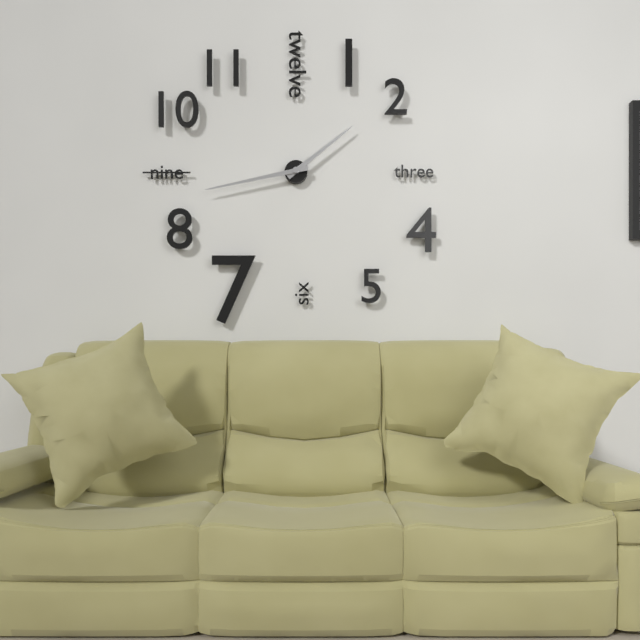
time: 1:43
